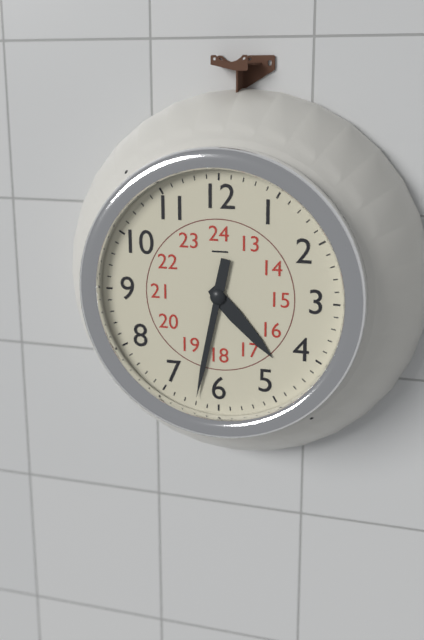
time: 4:32
